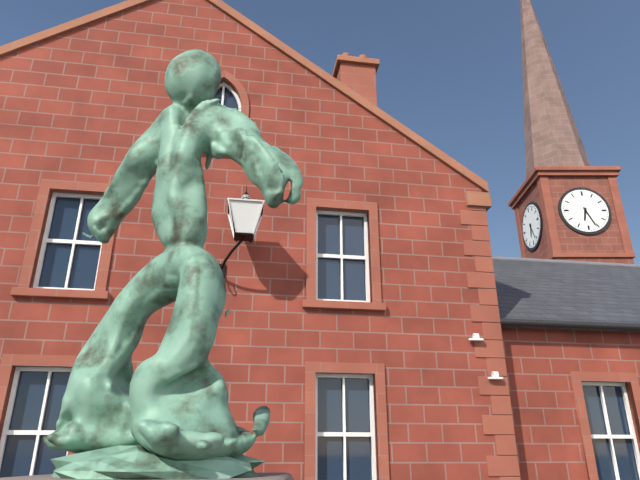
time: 6:26
